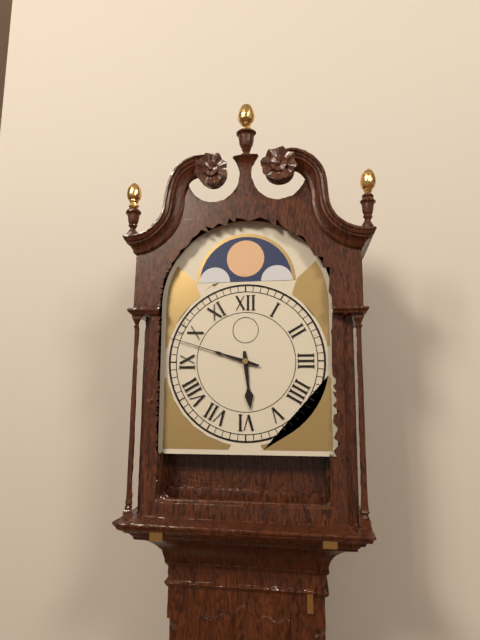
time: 5:48
